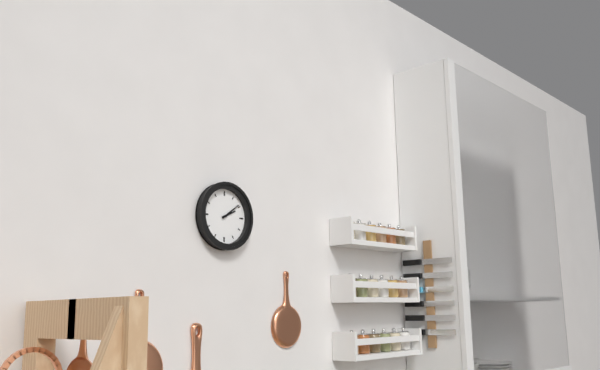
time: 2:09
